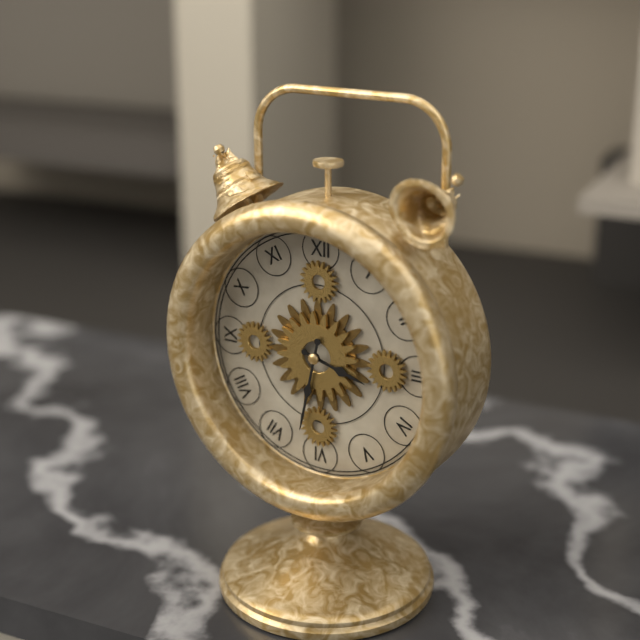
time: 3:32
